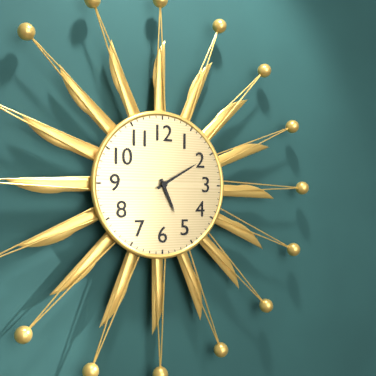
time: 5:10
